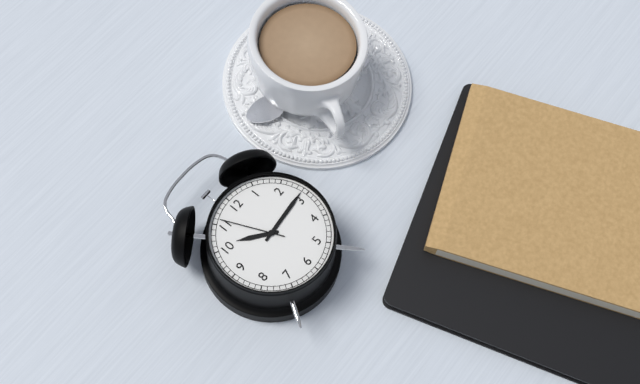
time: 10:14:56
